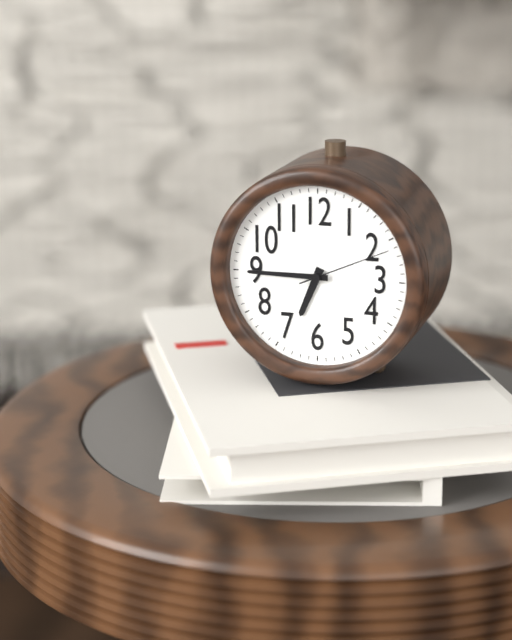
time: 6:45:11
